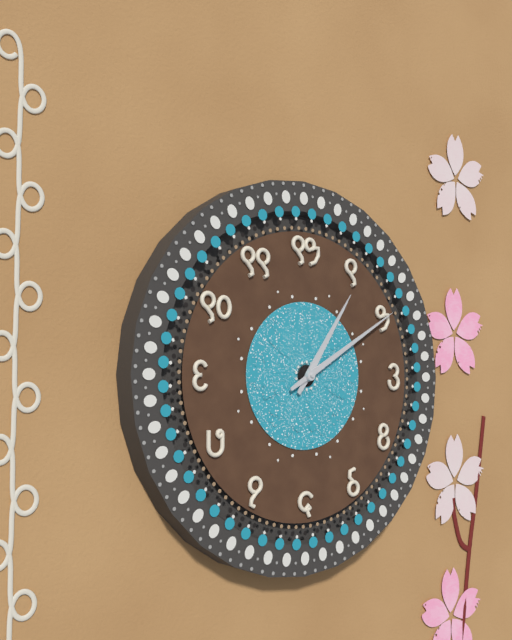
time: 1:10
